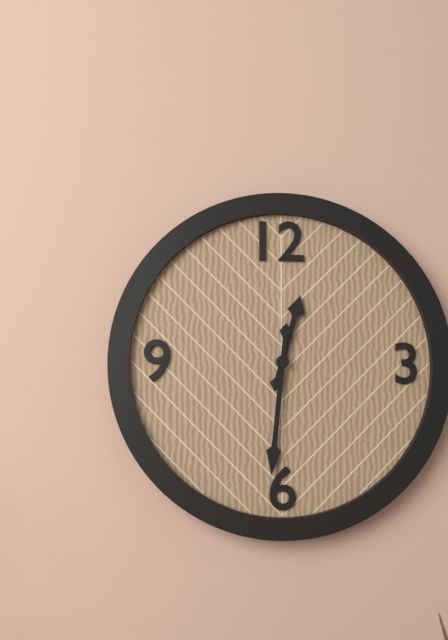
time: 12:31
